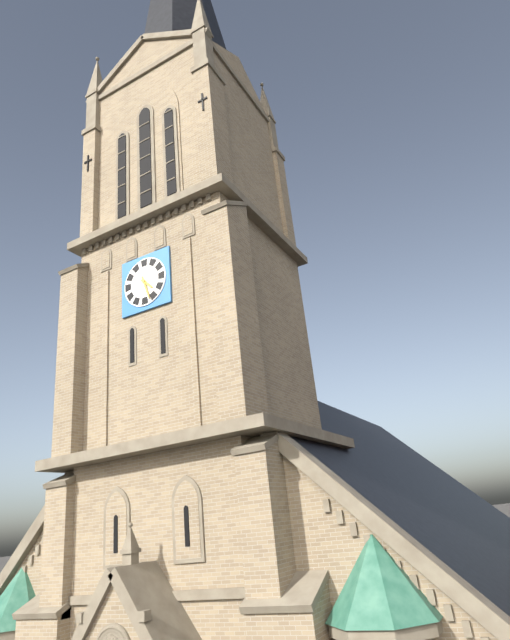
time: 4:27
